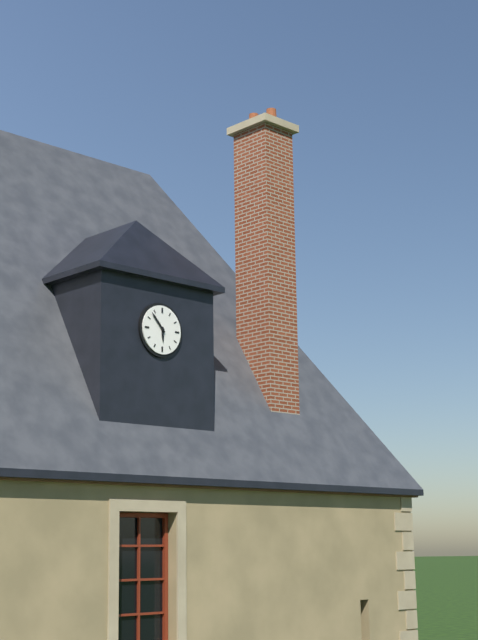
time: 5:53
